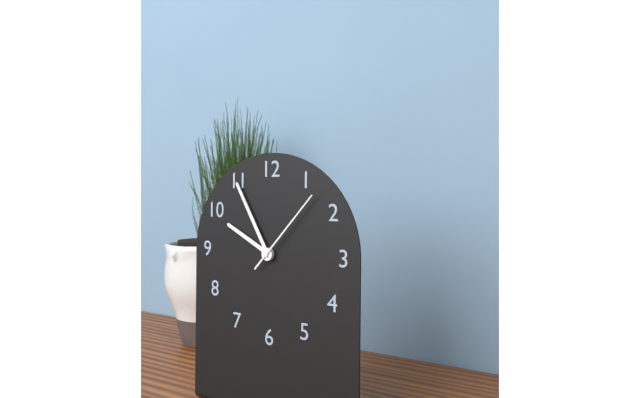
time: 9:55:07
